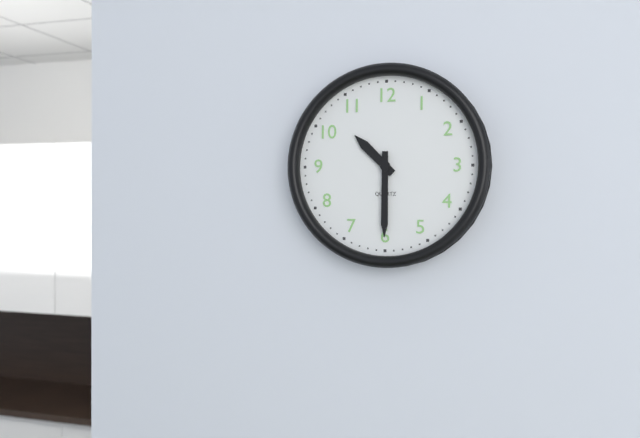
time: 10:30
